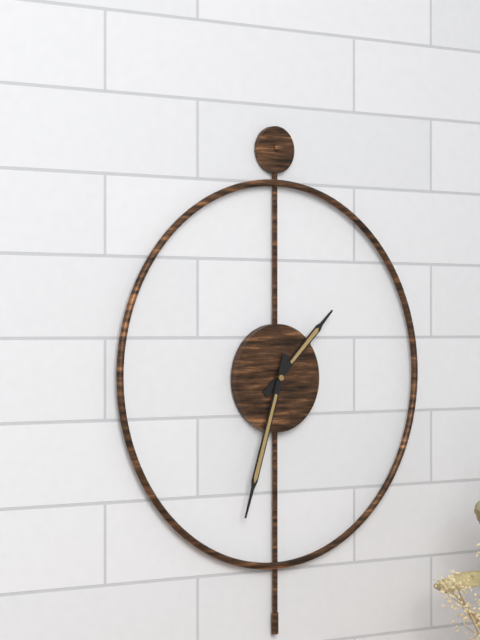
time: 1:33
